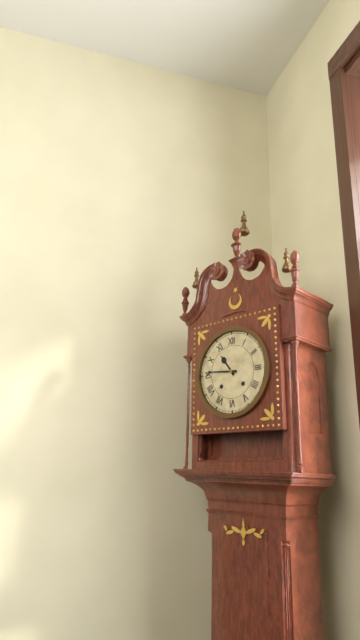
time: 10:46
